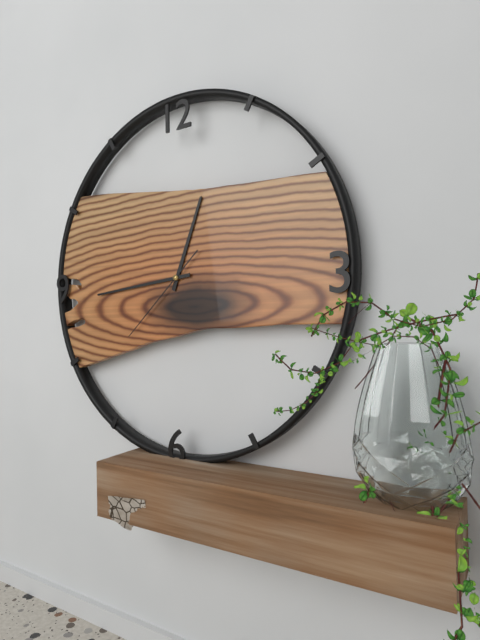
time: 12:44:38
